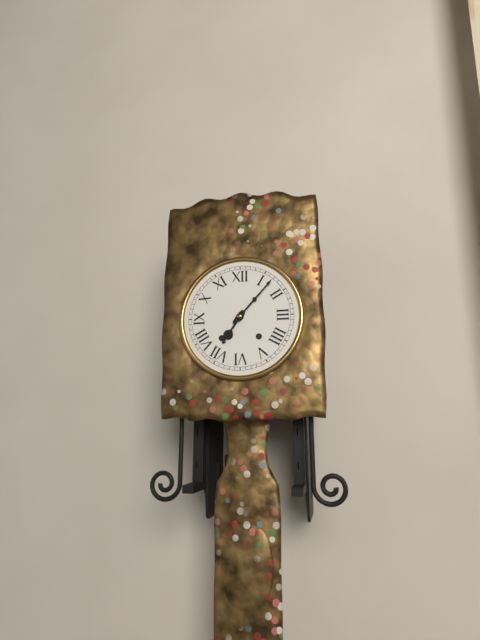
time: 7:07
